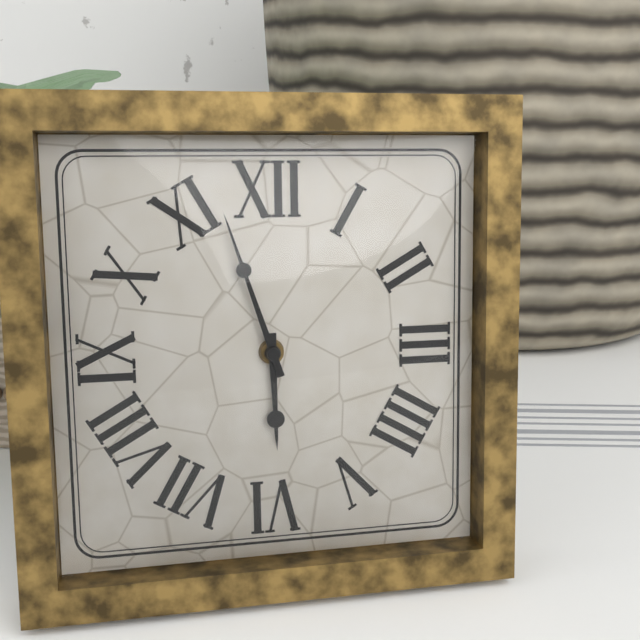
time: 5:57
